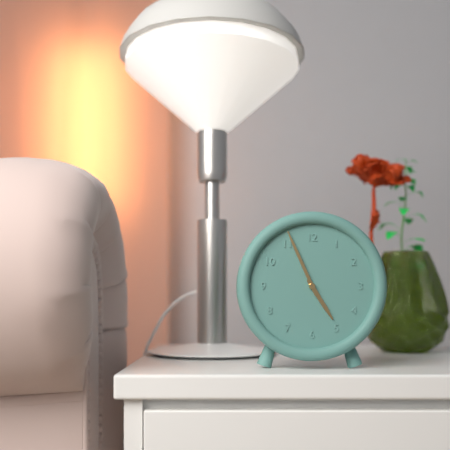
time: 4:56
